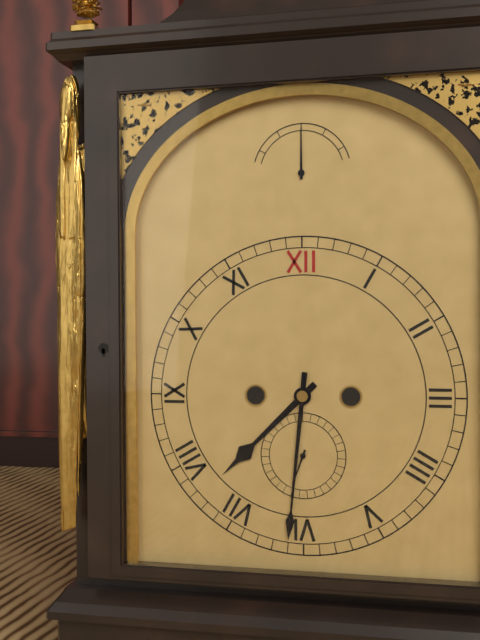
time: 7:31
